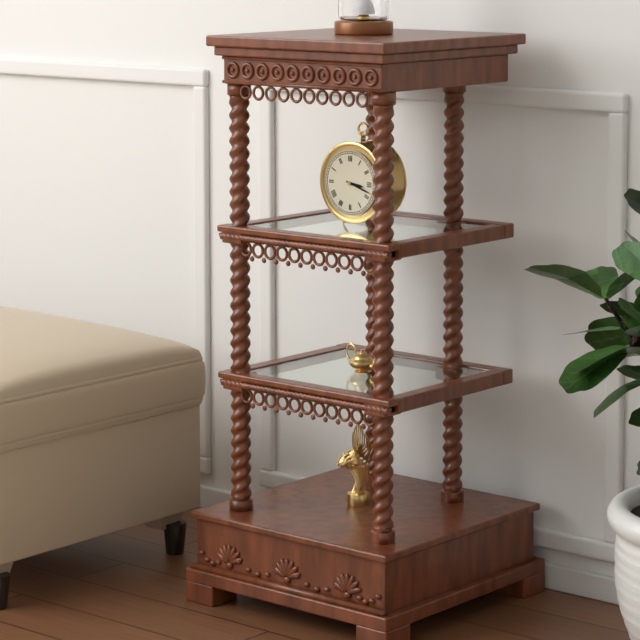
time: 3:18
